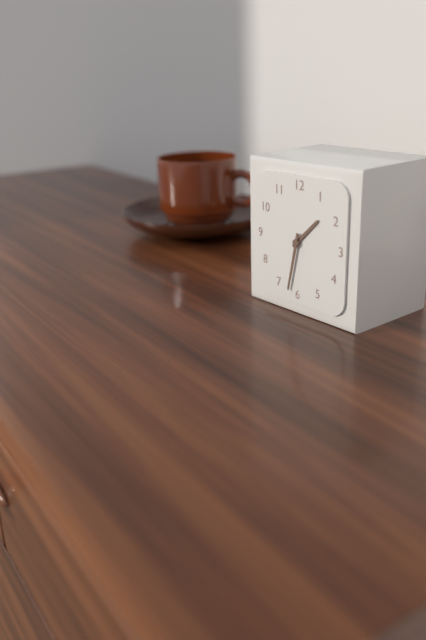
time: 1:32
